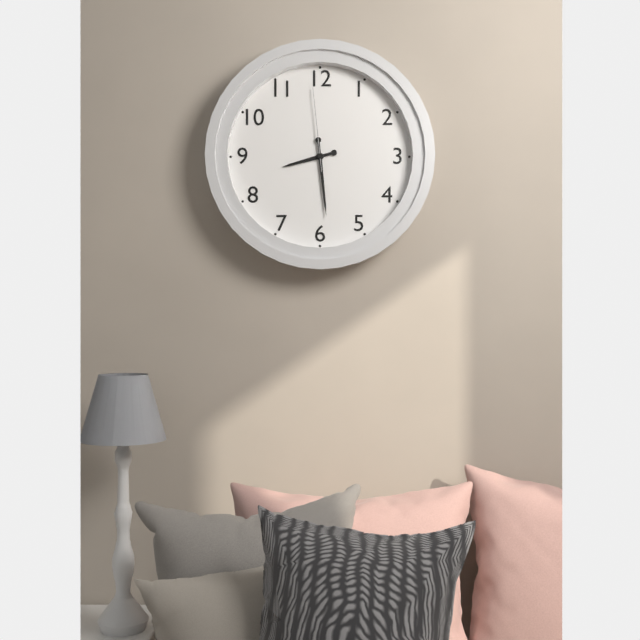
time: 8:29:59
